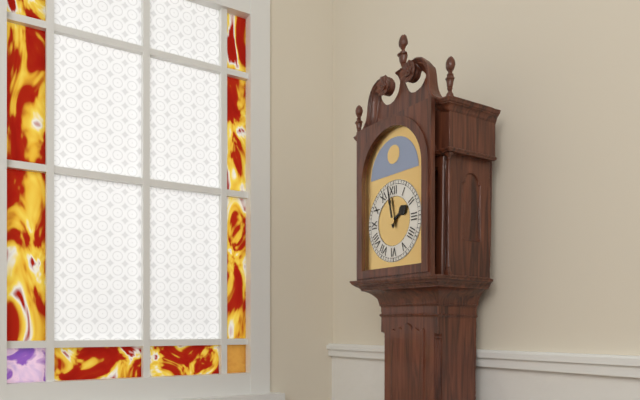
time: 1:58
